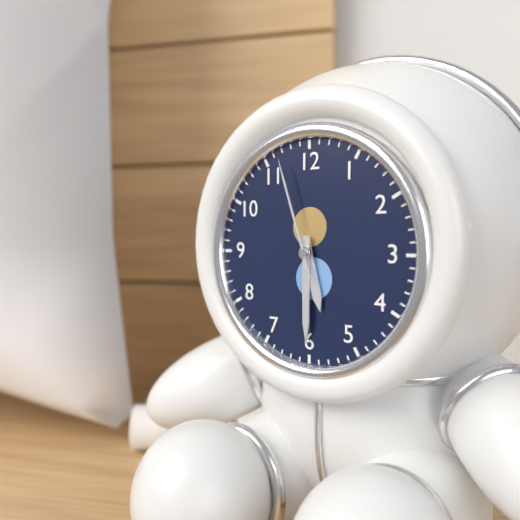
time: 5:30:57
